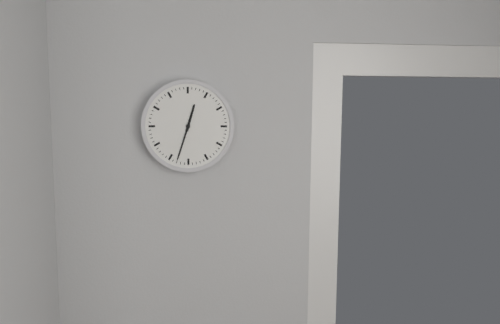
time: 12:33
